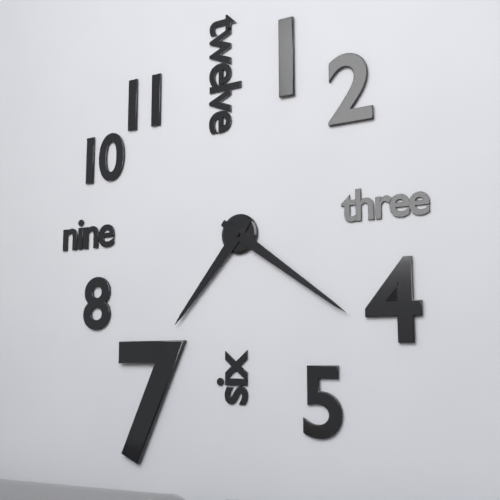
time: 7:21
